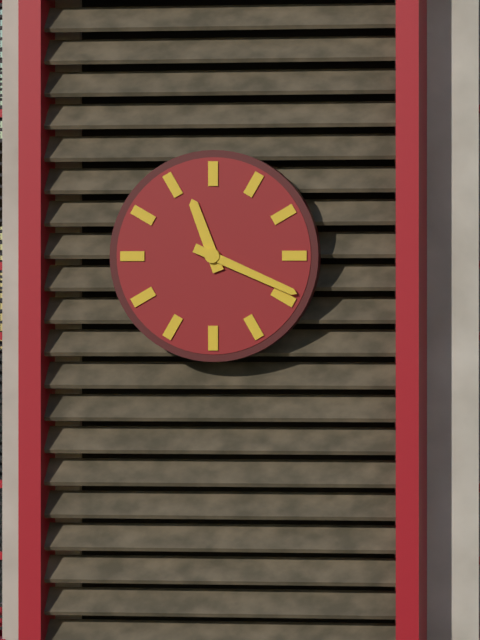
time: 11:19
